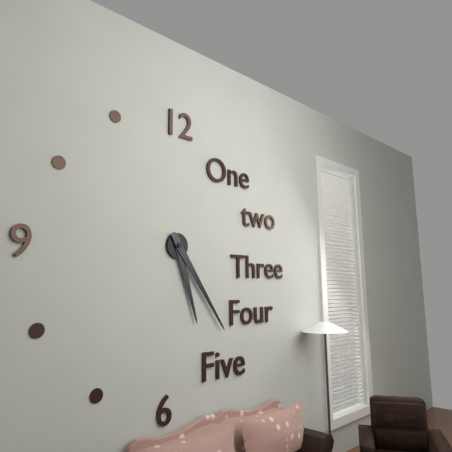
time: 5:24
